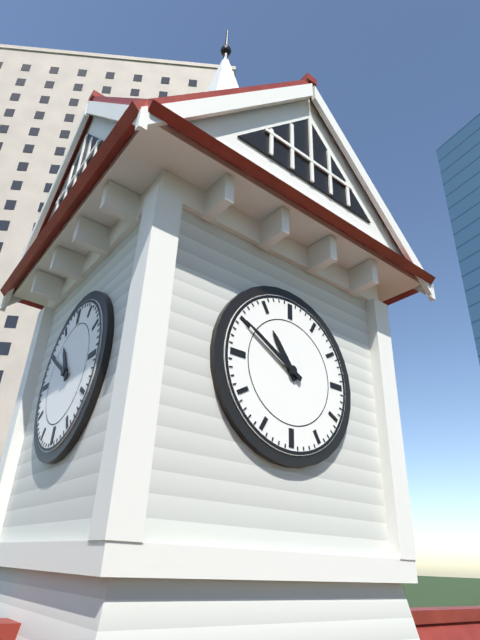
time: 10:50
